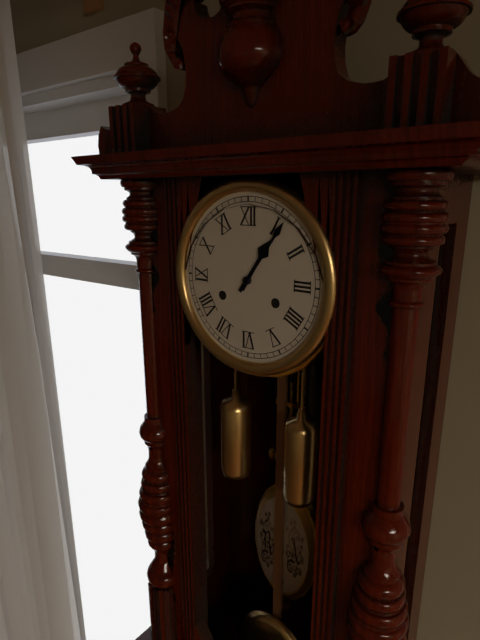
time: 1:06
